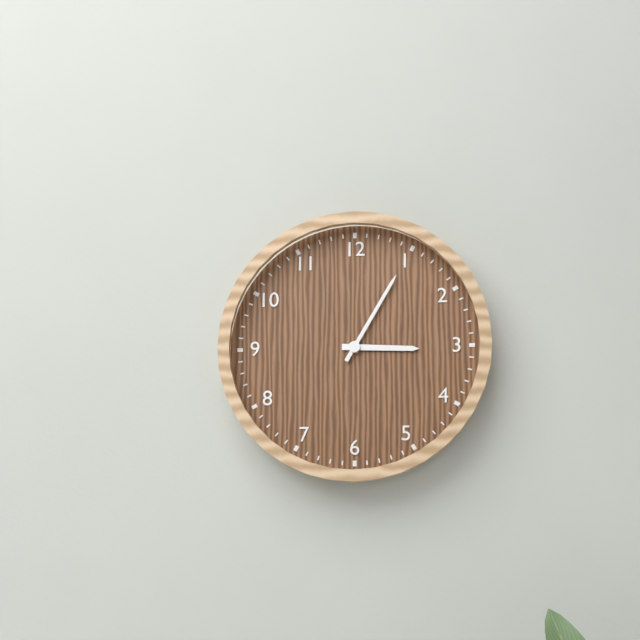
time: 3:05
